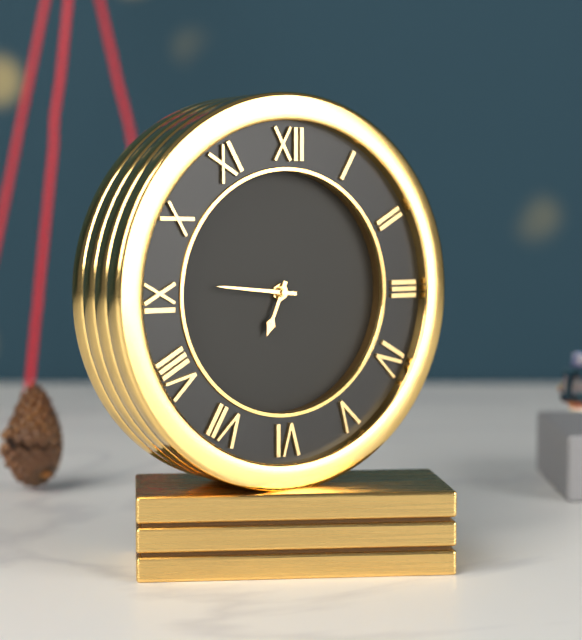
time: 6:46
